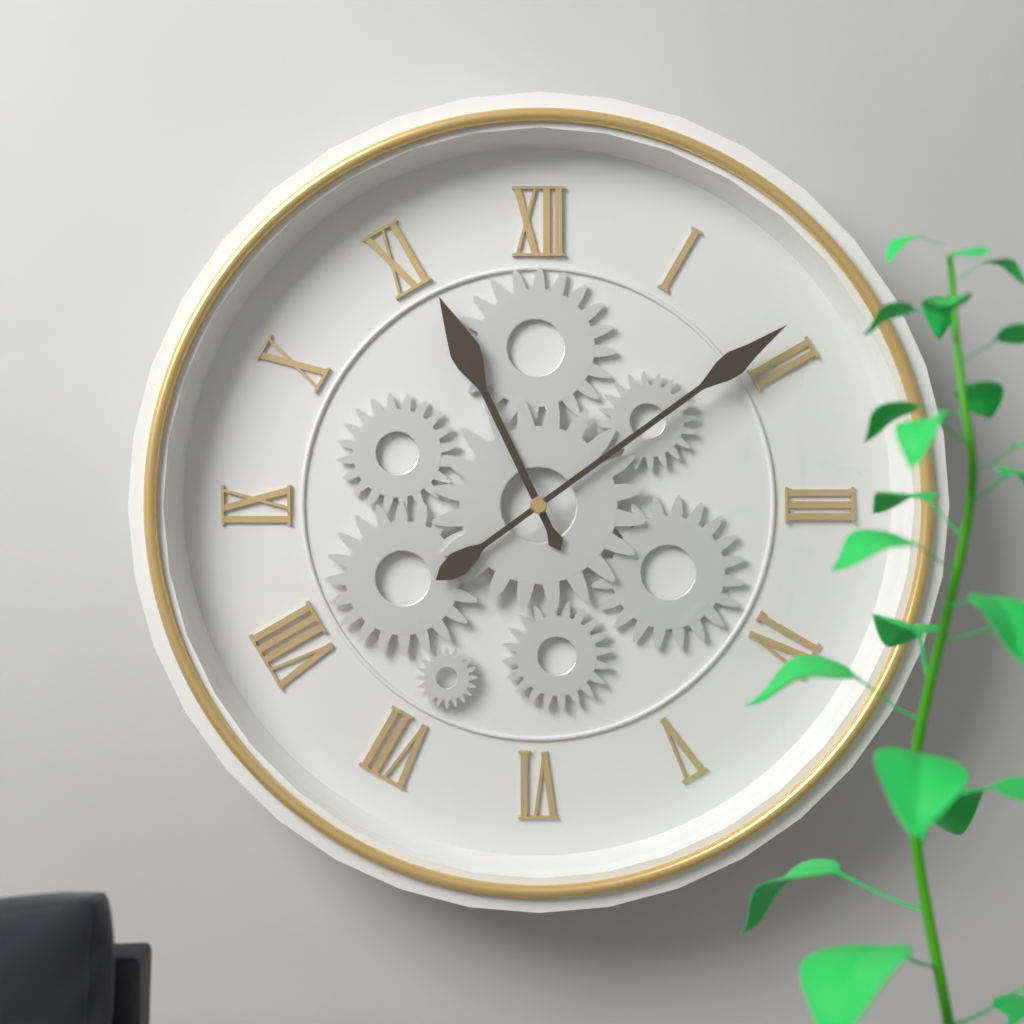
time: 11:09
